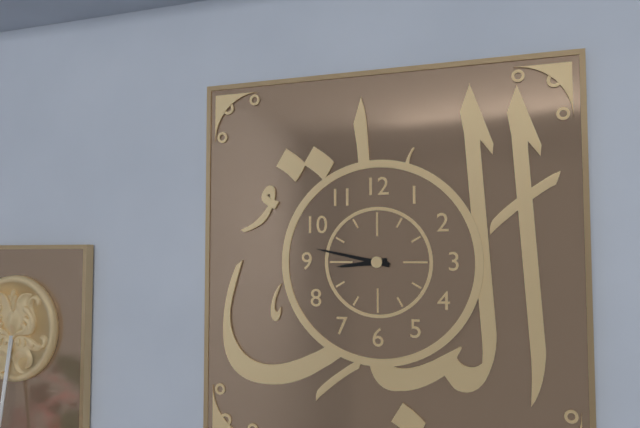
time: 8:47
